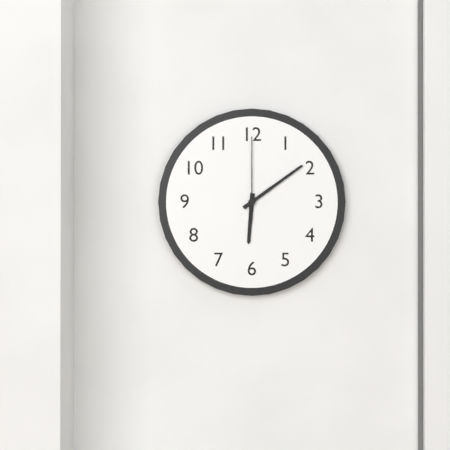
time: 6:09:00
